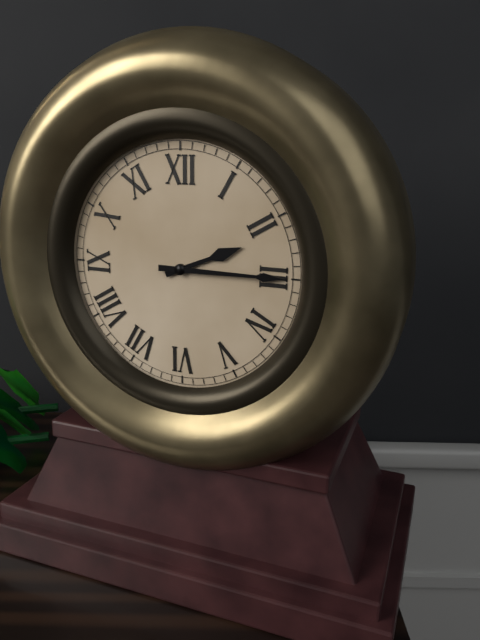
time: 2:15
